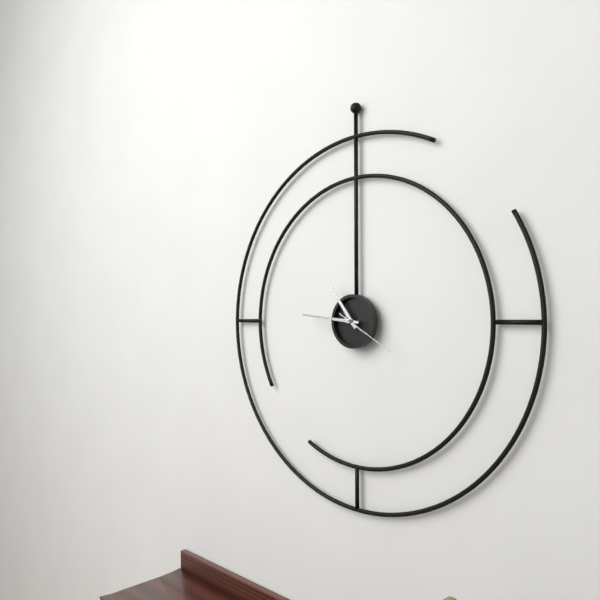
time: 10:46:20
